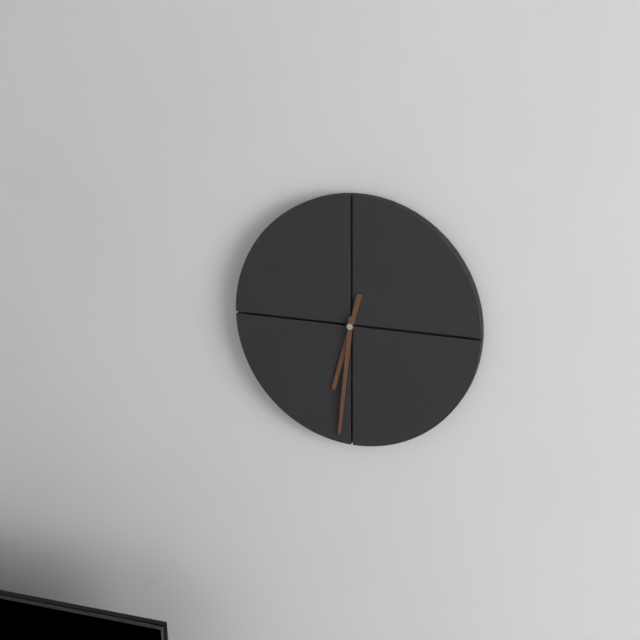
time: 6:31
